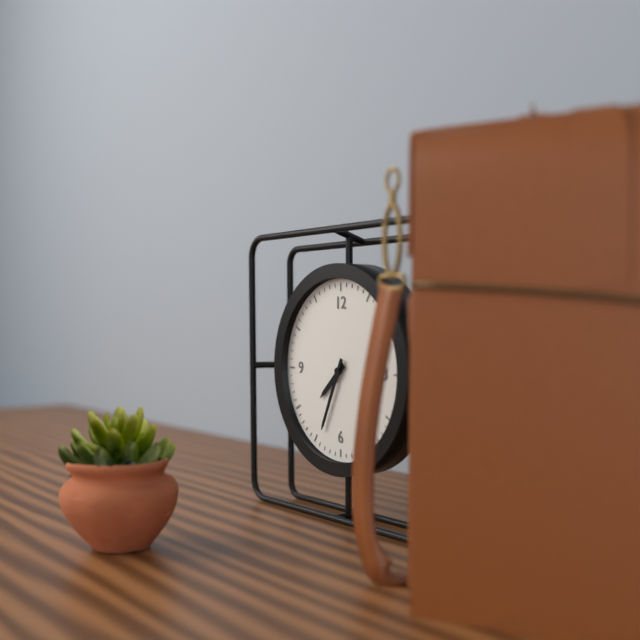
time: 7:34
